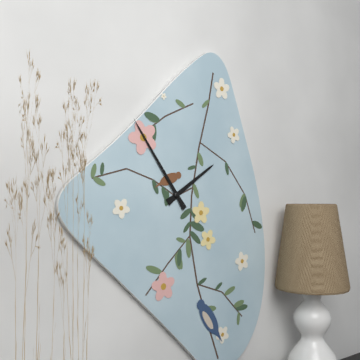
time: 1:54
